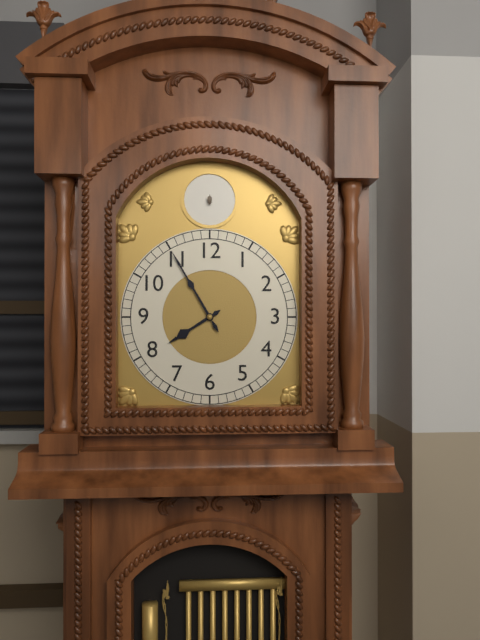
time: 7:55
